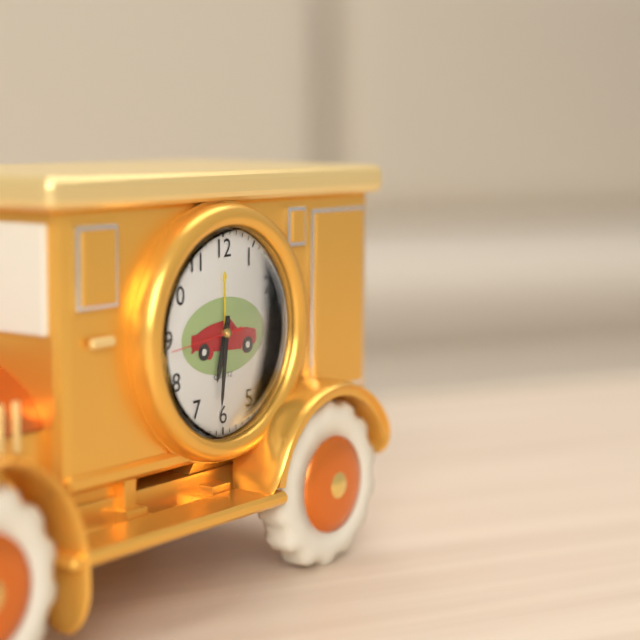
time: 6:31:44
